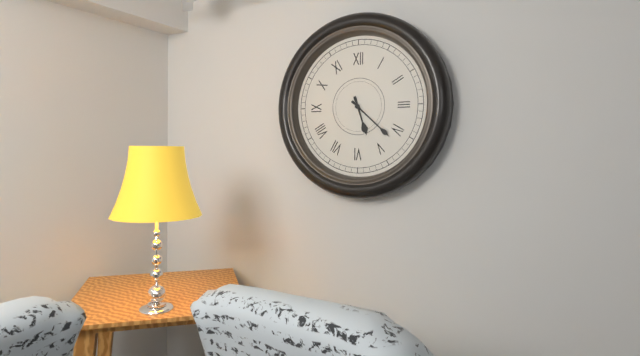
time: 5:22
